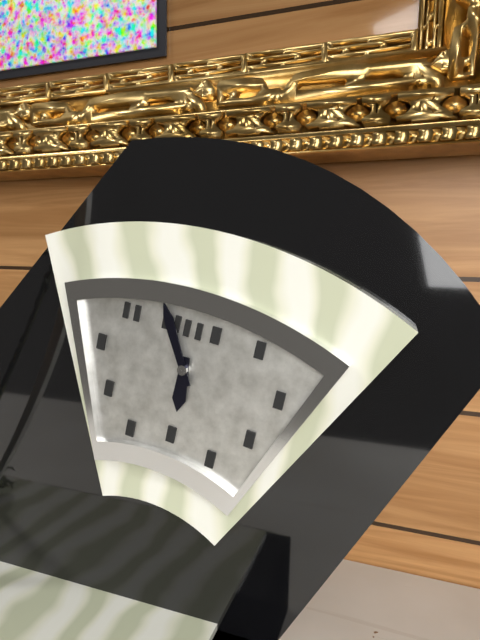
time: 5:55
